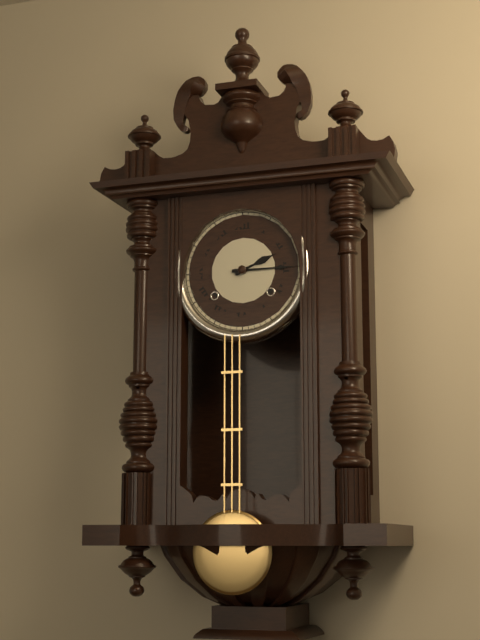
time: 2:15
